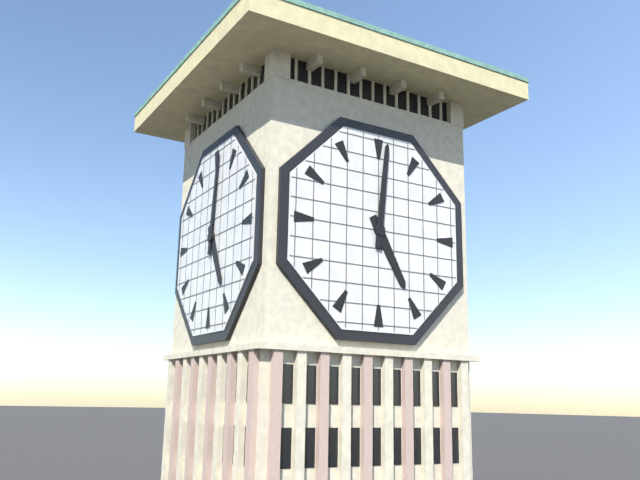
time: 5:01
